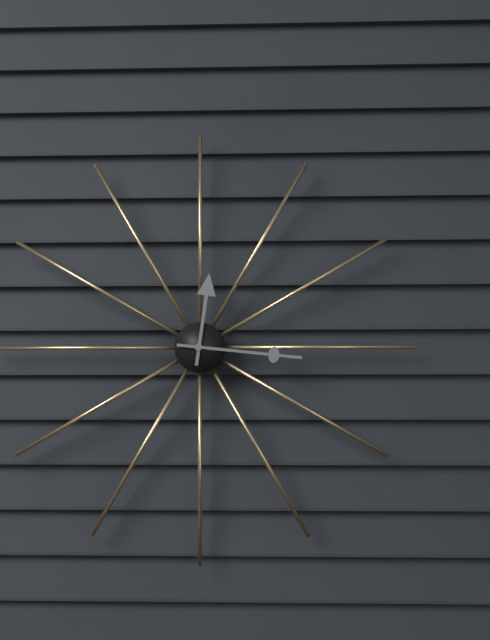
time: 12:16
